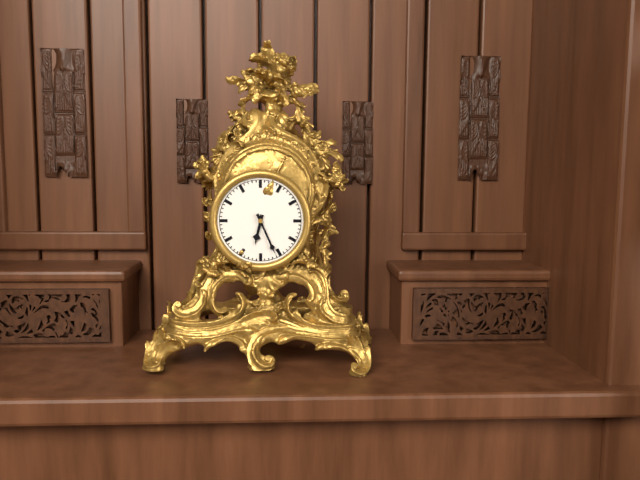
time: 6:26
